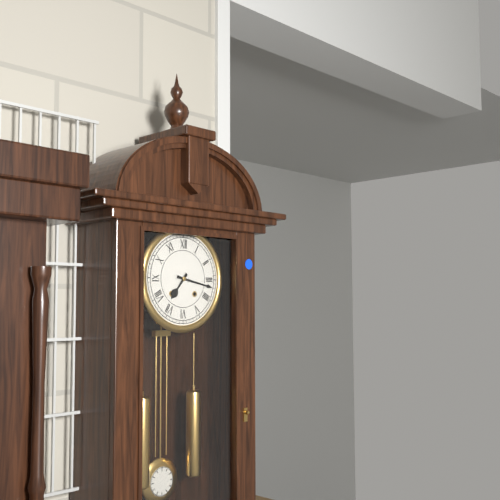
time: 7:17
